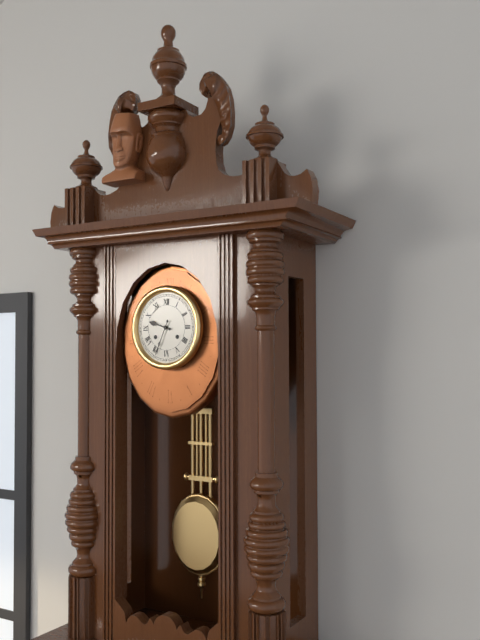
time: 9:34
